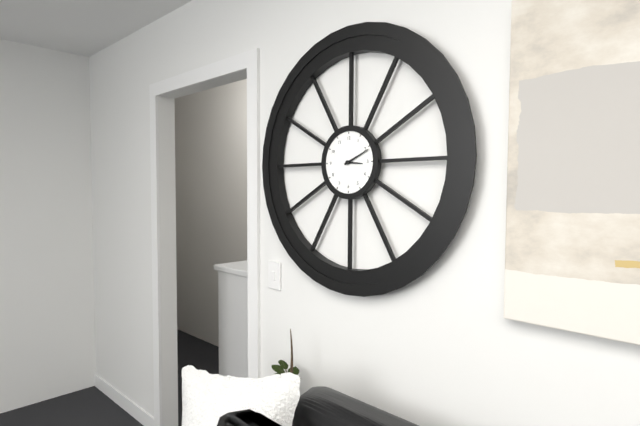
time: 3:11
